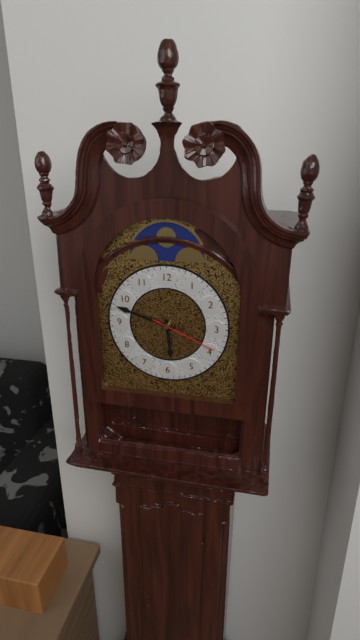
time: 5:48:19
